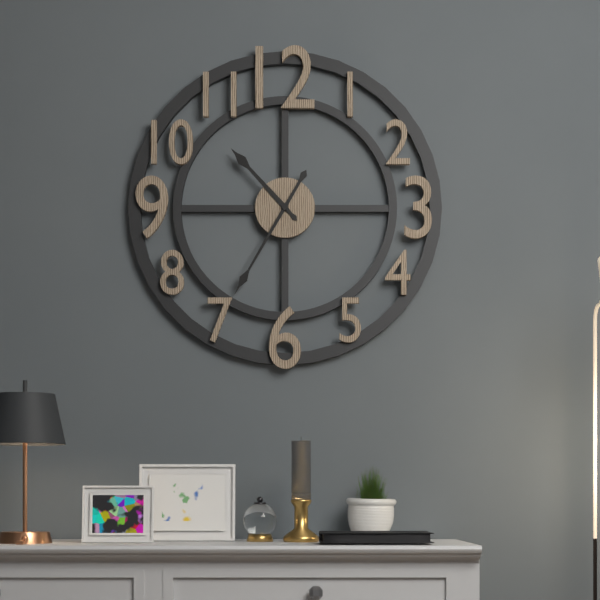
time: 10:35
